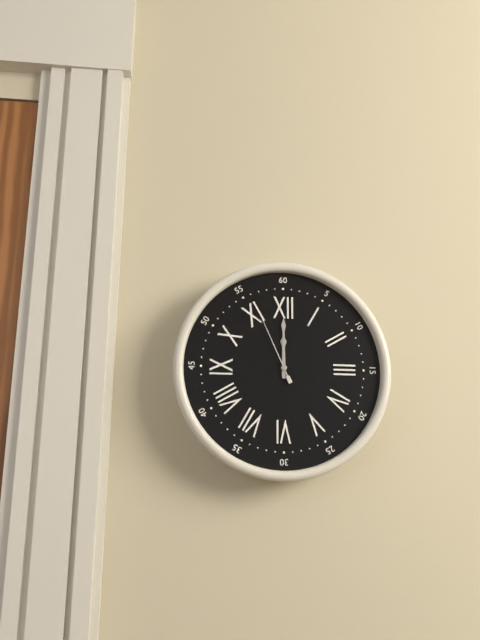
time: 12:00:56
